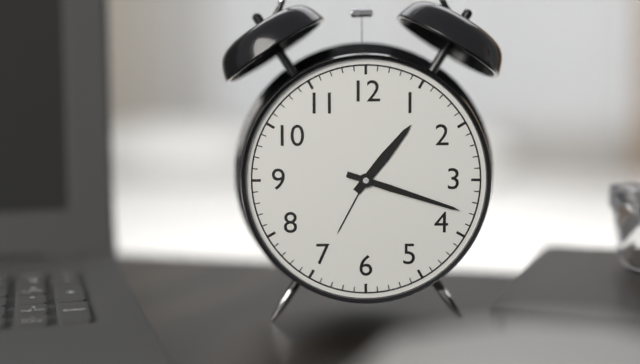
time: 1:18
